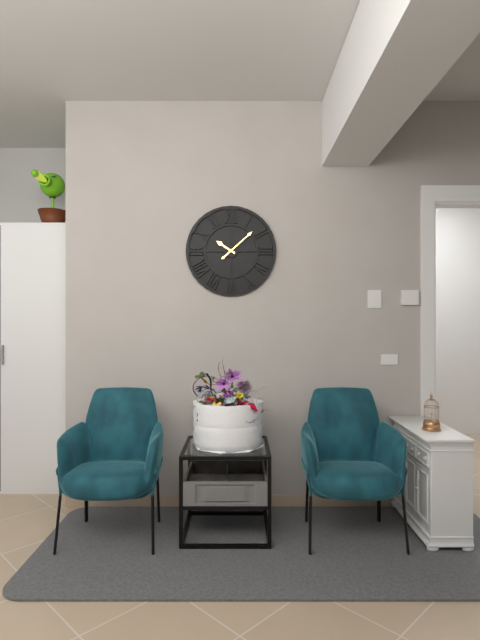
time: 10:08
